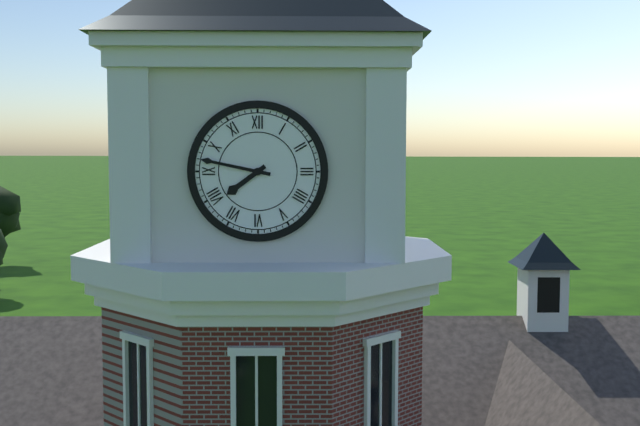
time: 7:47
